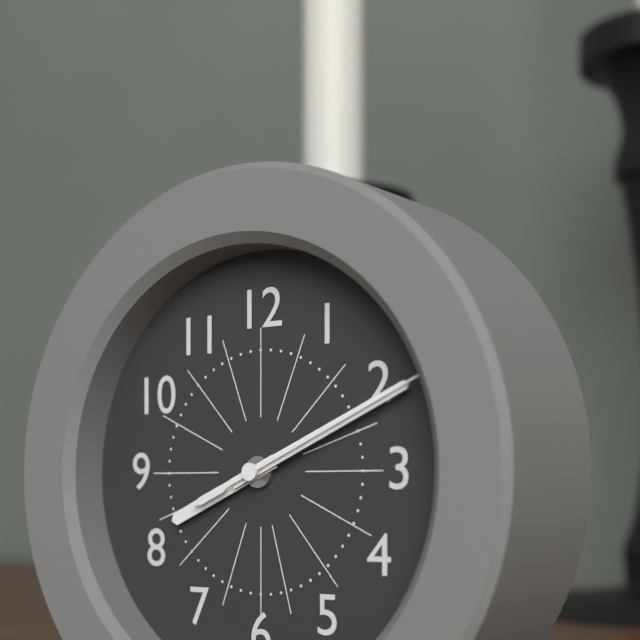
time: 8:11:11
